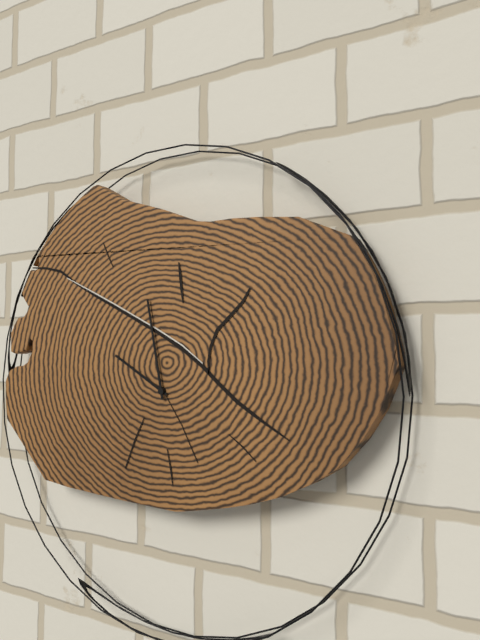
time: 9:58
